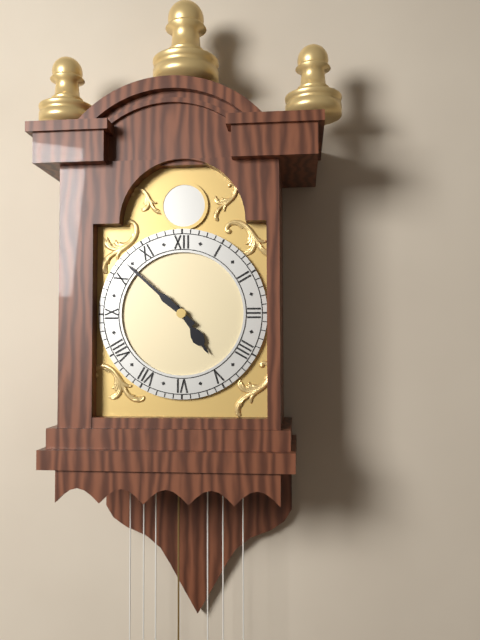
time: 4:52
